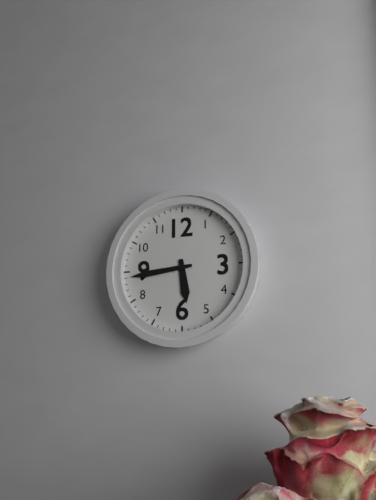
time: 5:44
